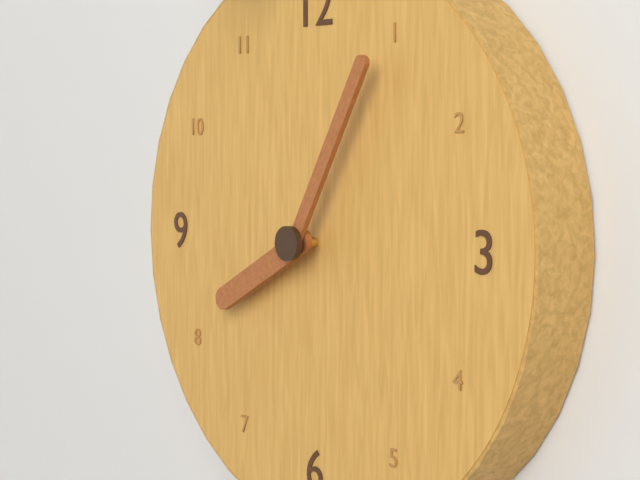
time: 8:05
